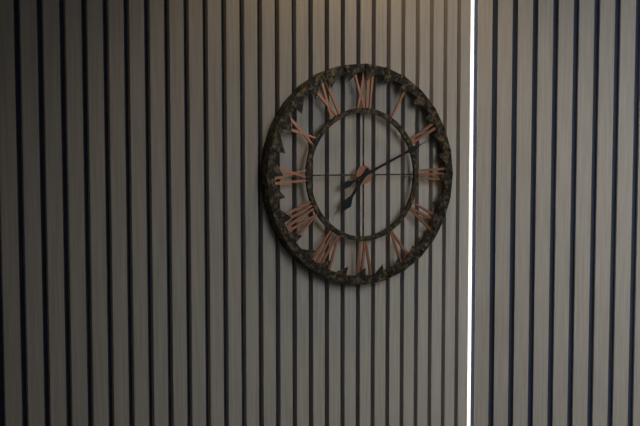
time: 7:11
